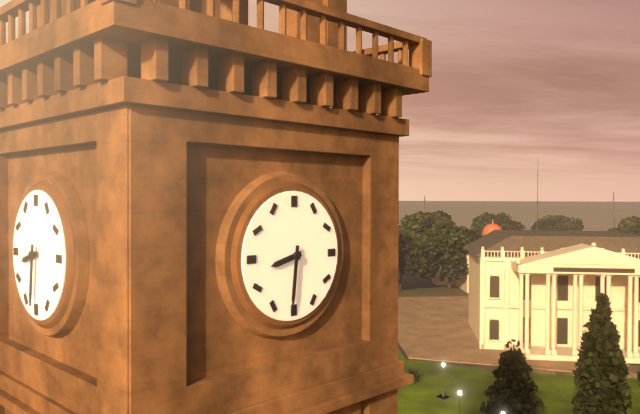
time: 8:31
